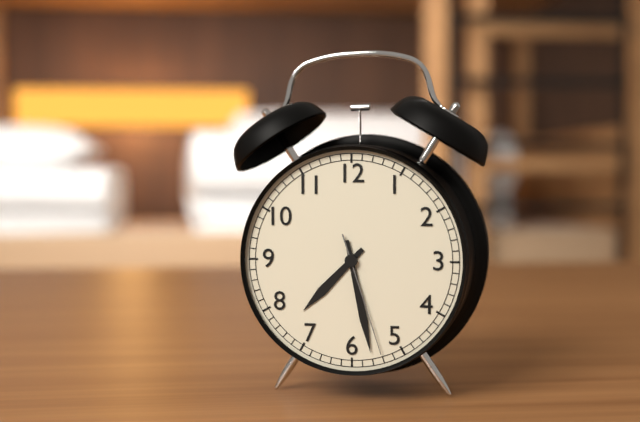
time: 7:28:27
